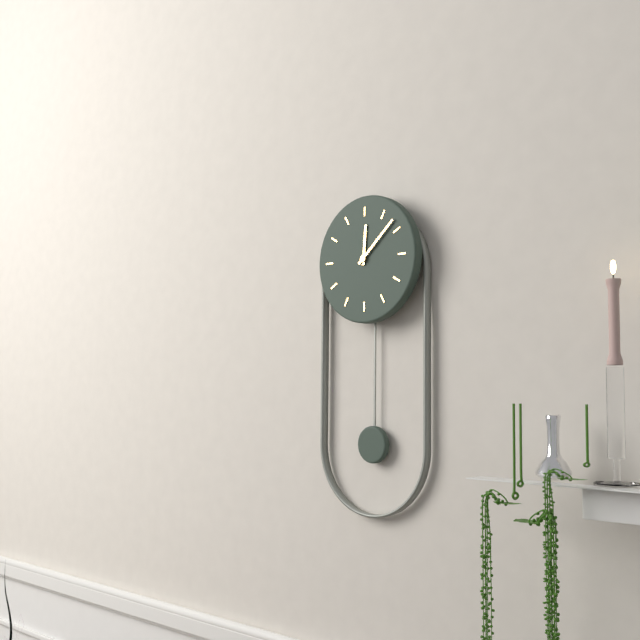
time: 12:08
